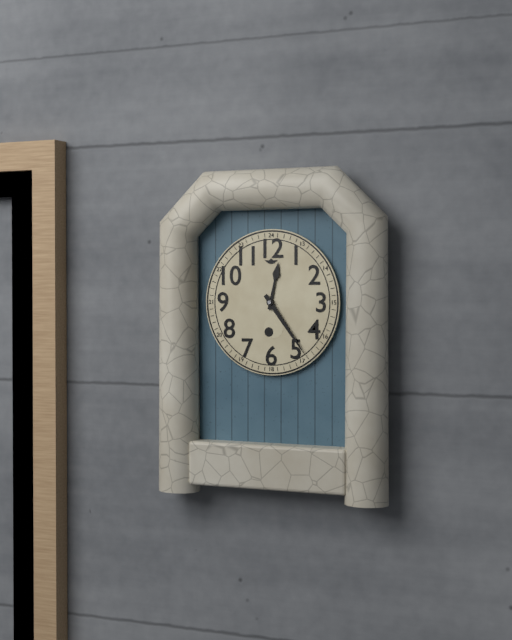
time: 12:24
